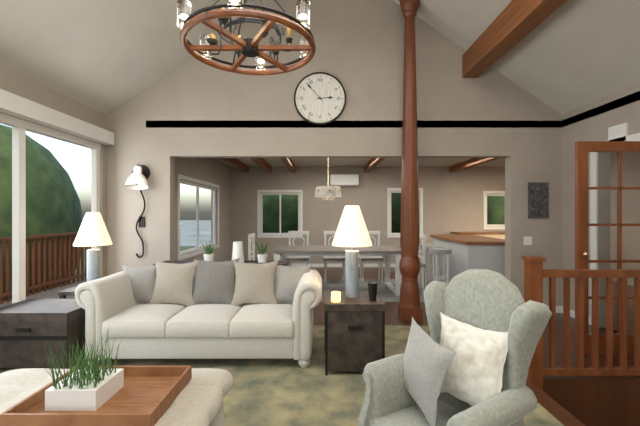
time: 2:53
